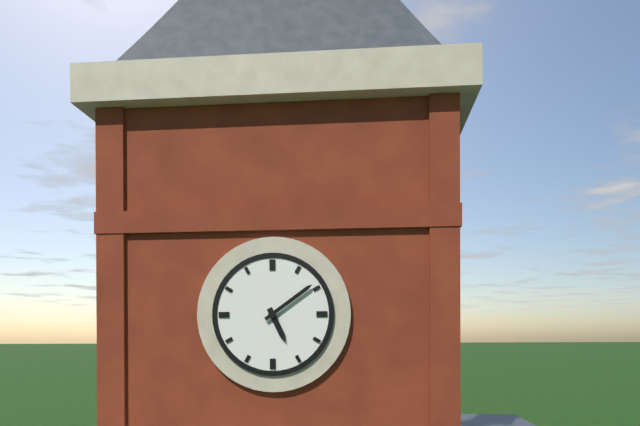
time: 5:09
